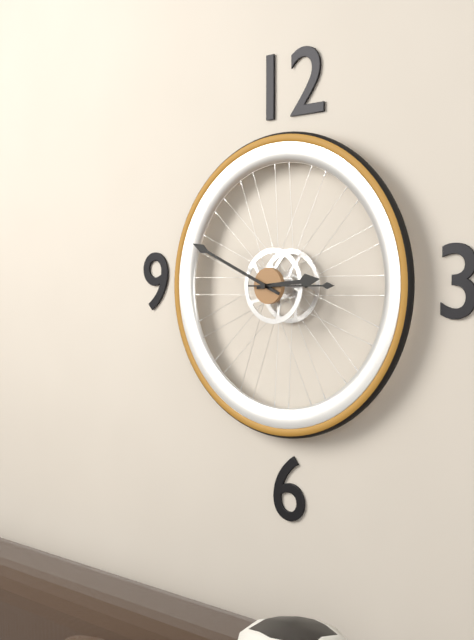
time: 2:49:15
